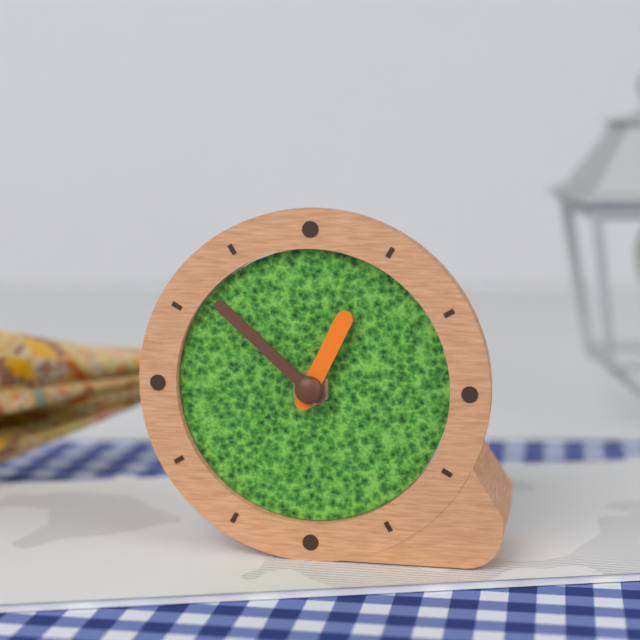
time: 12:52
